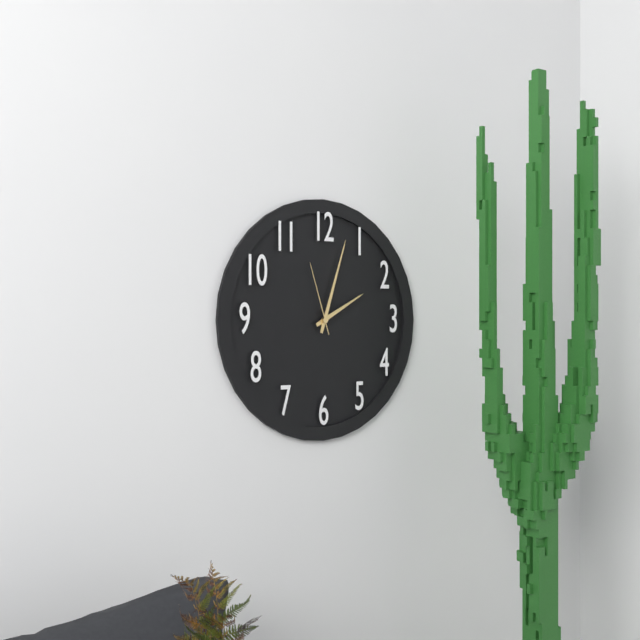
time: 2:03:57
